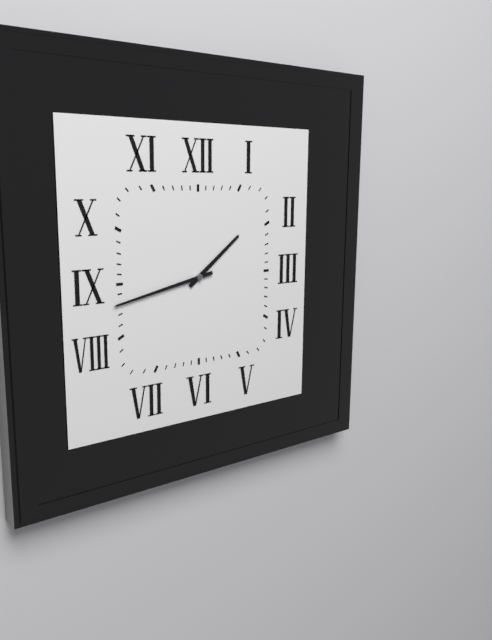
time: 1:43
